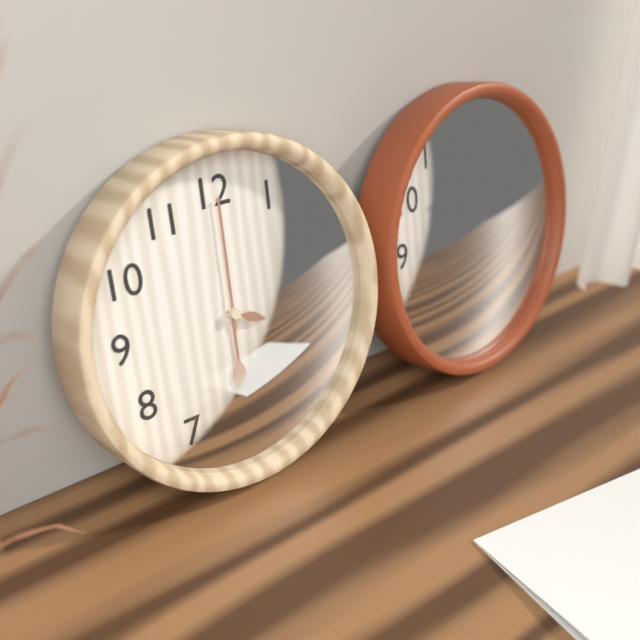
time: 6:00
